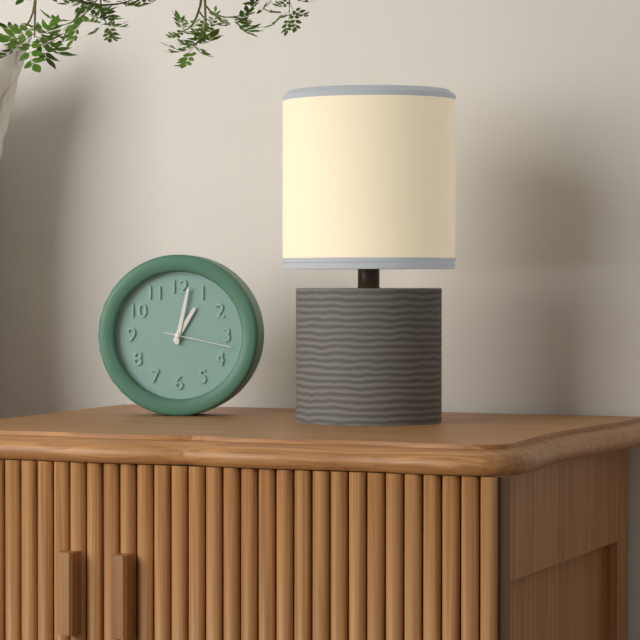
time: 1:02:17
